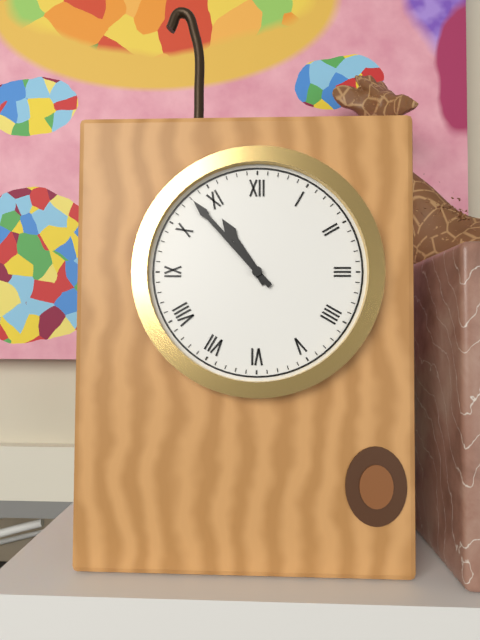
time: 10:53
